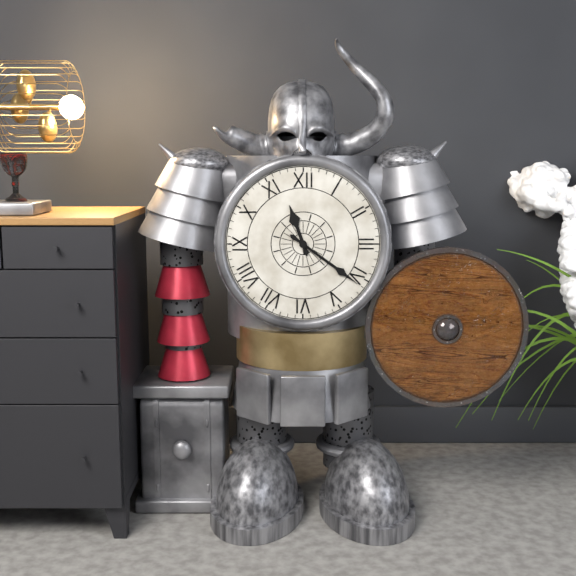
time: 11:21
